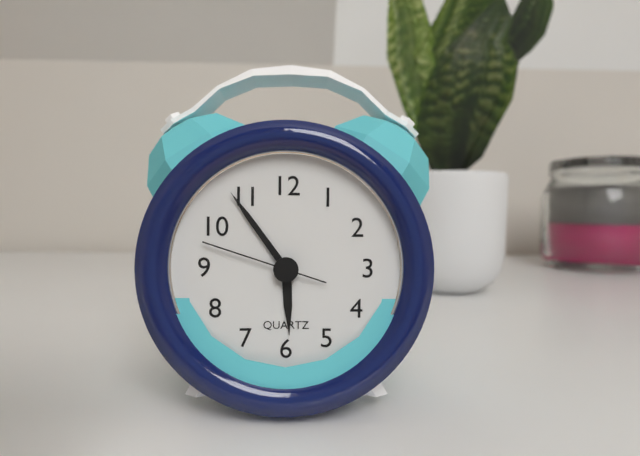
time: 5:54:48
